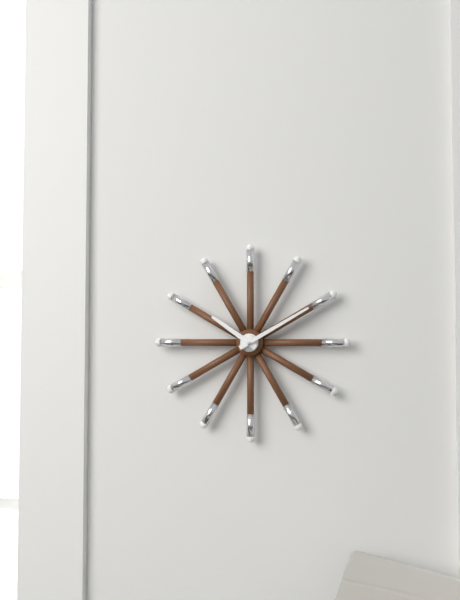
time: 10:10
